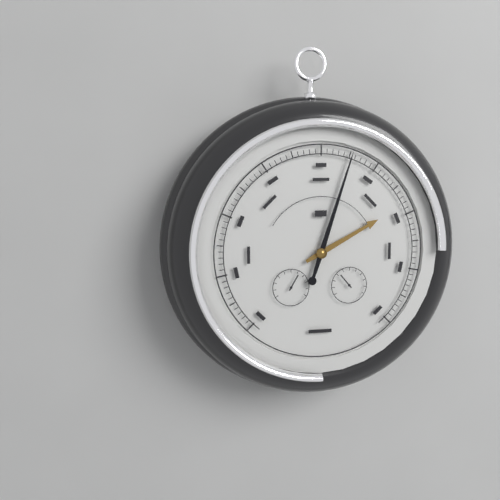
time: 2:03
